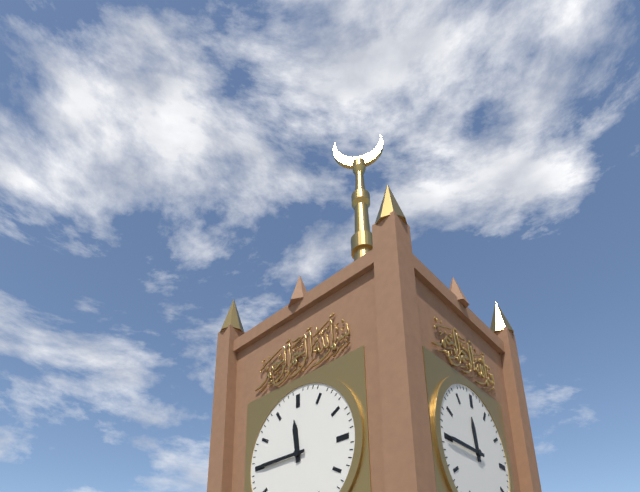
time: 11:45
